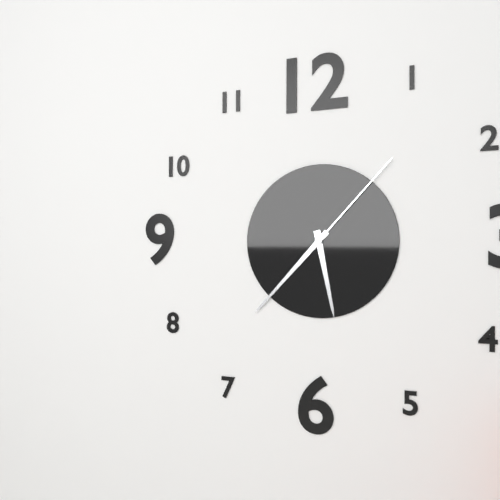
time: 5:37:07
